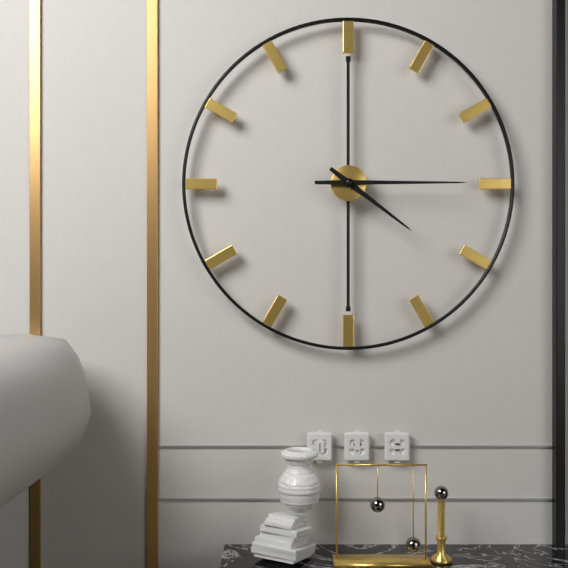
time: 4:15
